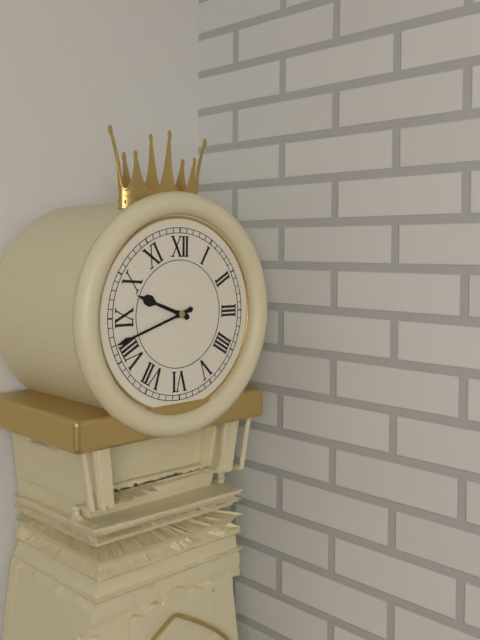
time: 9:42
